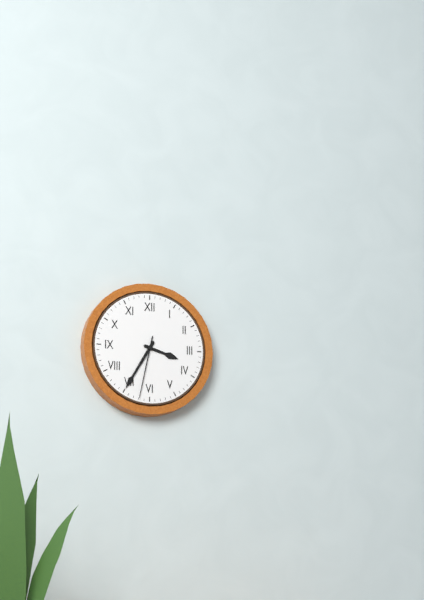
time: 3:35:32
